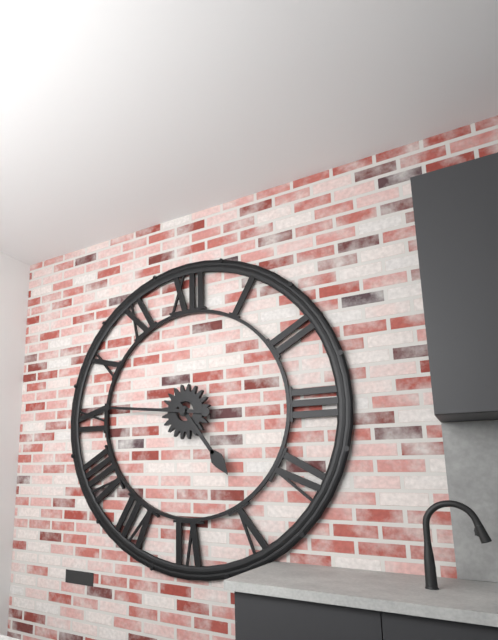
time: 4:46
